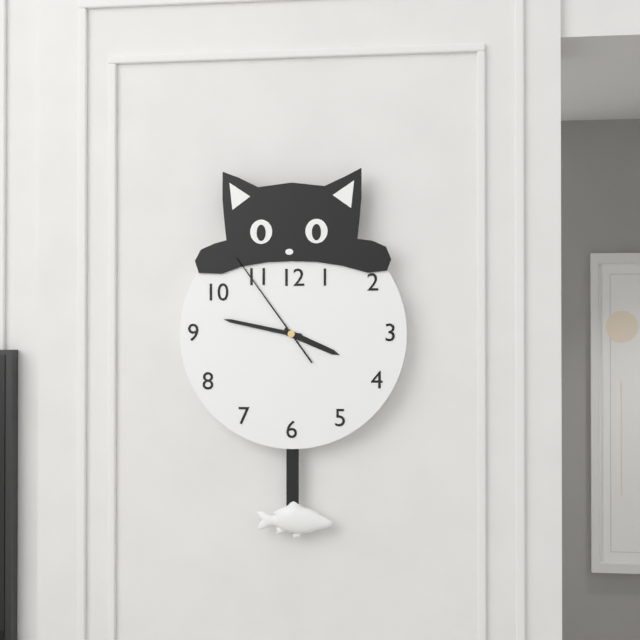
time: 3:47:54
